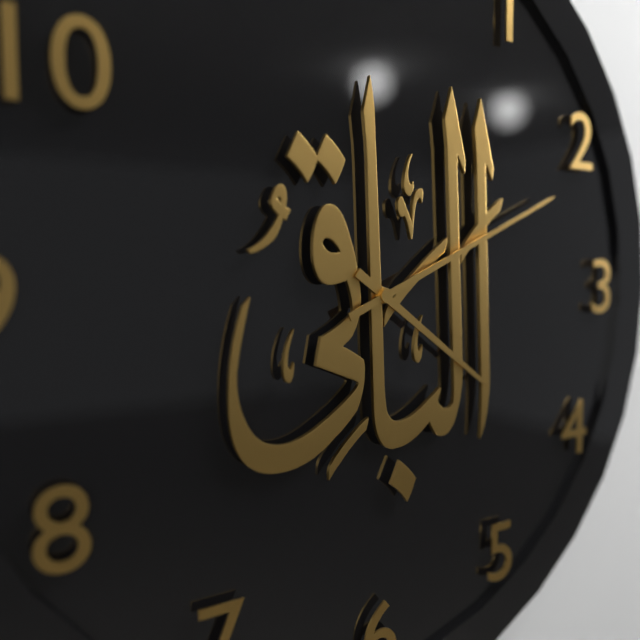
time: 4:11
